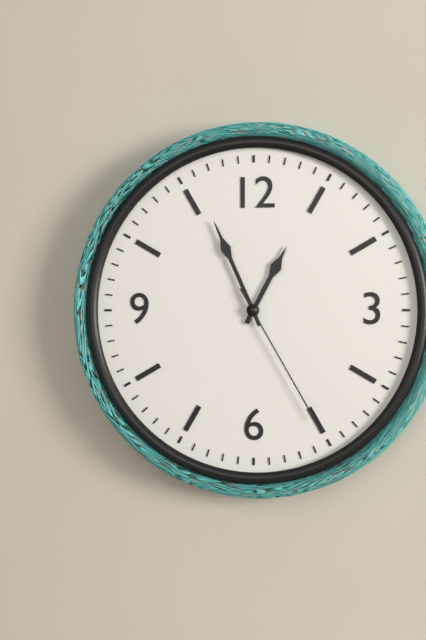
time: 12:56:25
